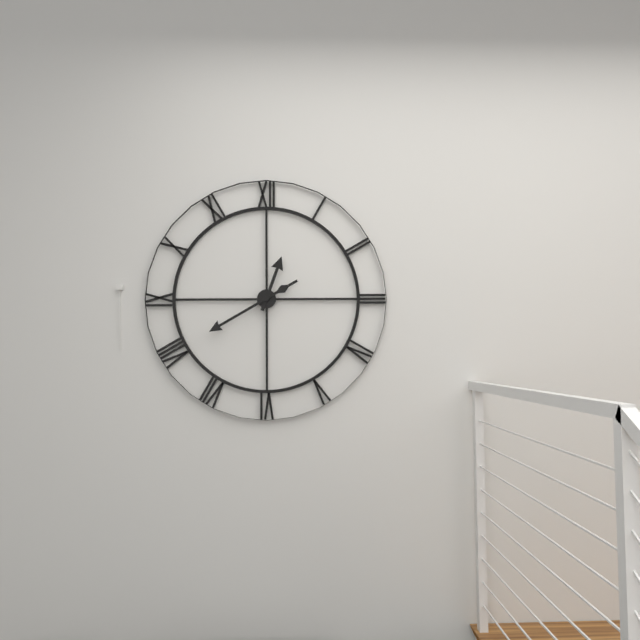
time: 12:40
